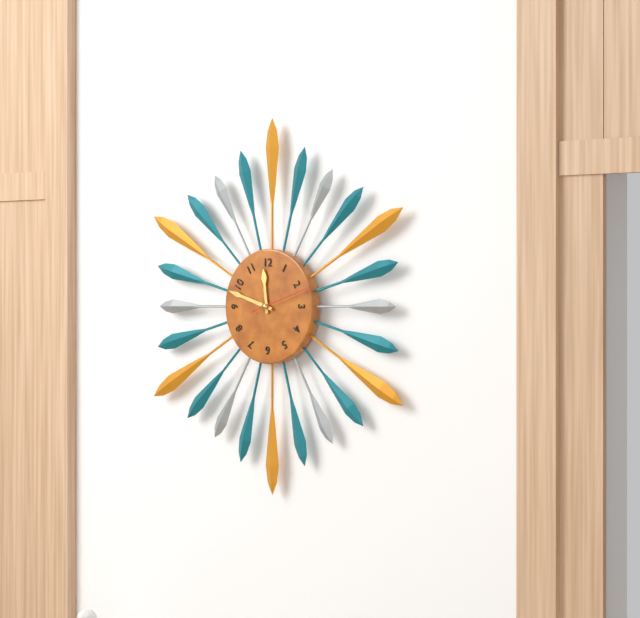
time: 11:48
